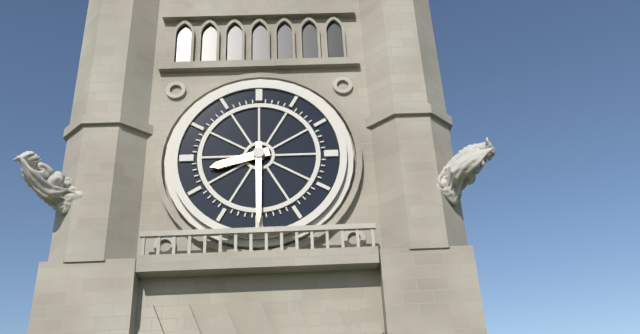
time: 8:30
